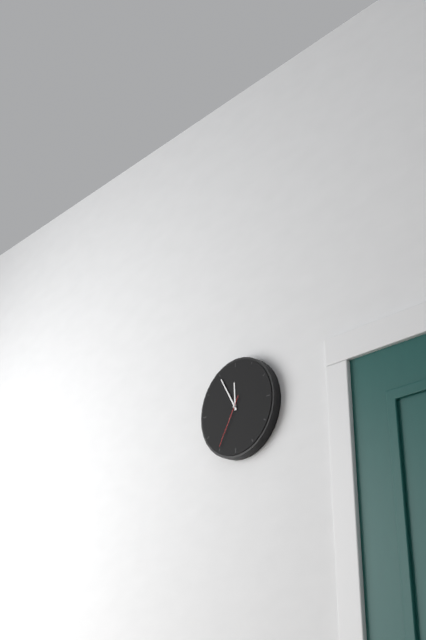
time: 11:55:35
